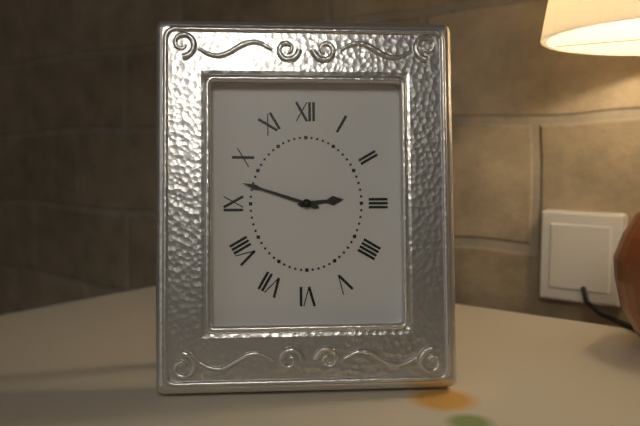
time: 2:48
